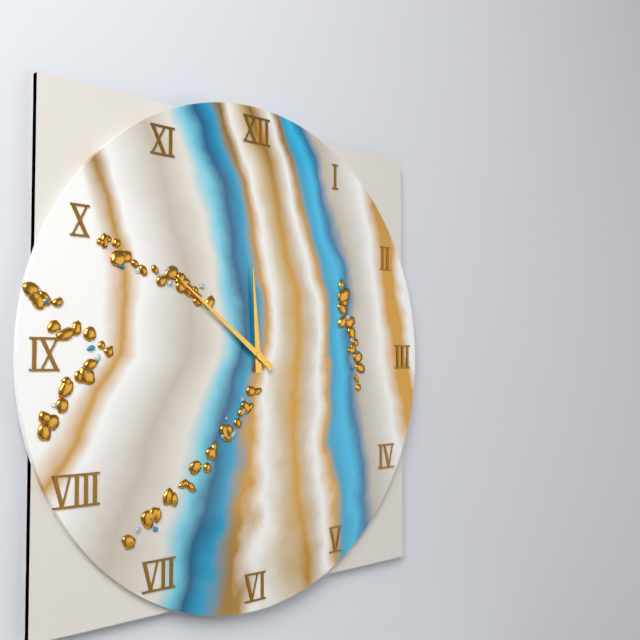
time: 11:51
